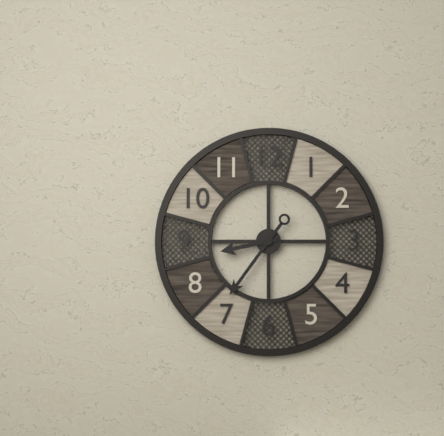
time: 8:36
